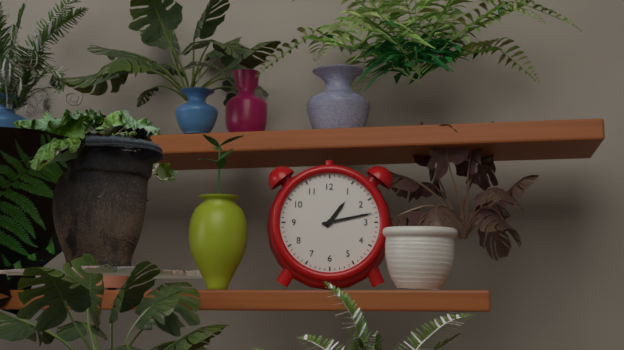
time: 1:13
